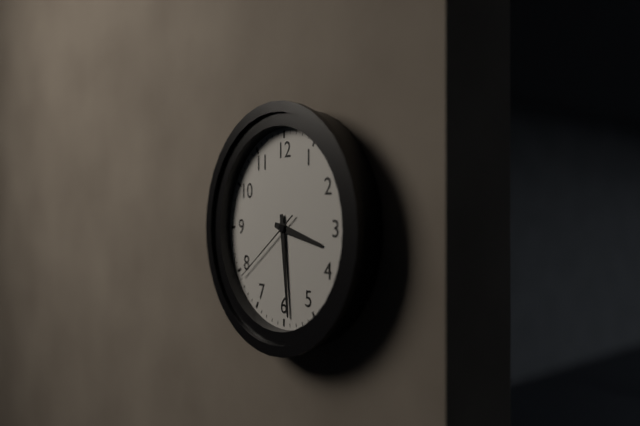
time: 3:29:39
